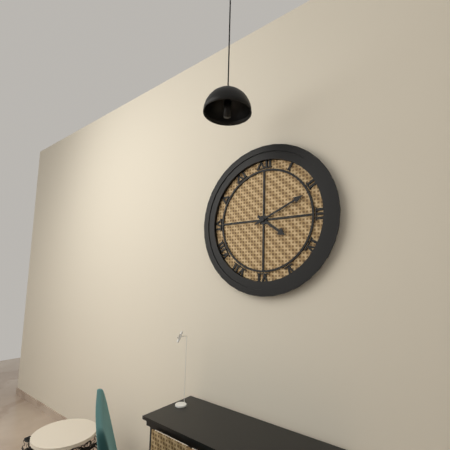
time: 4:11
